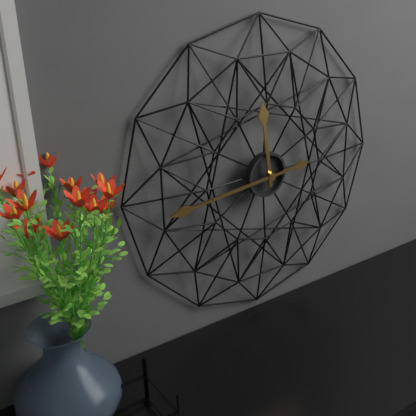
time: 11:44
